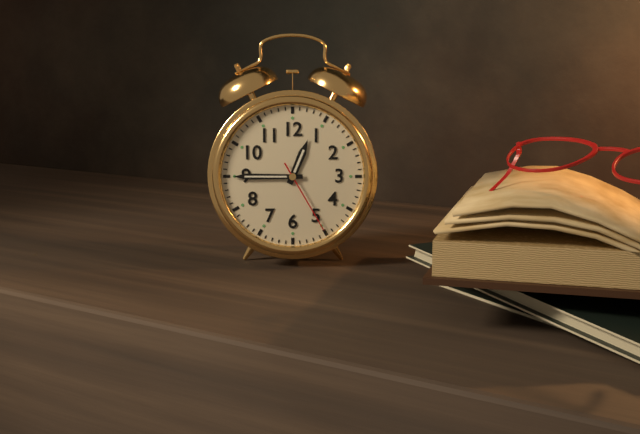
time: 12:45:25
